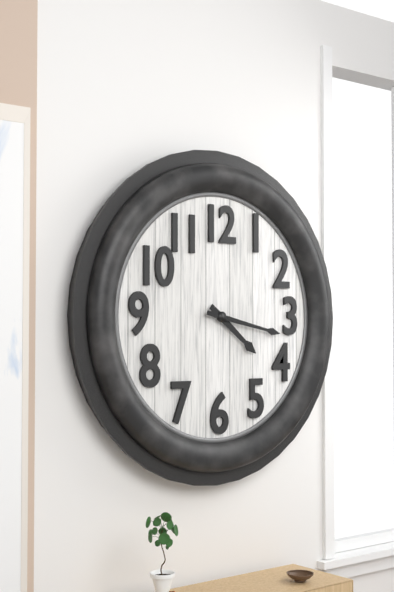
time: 4:17
